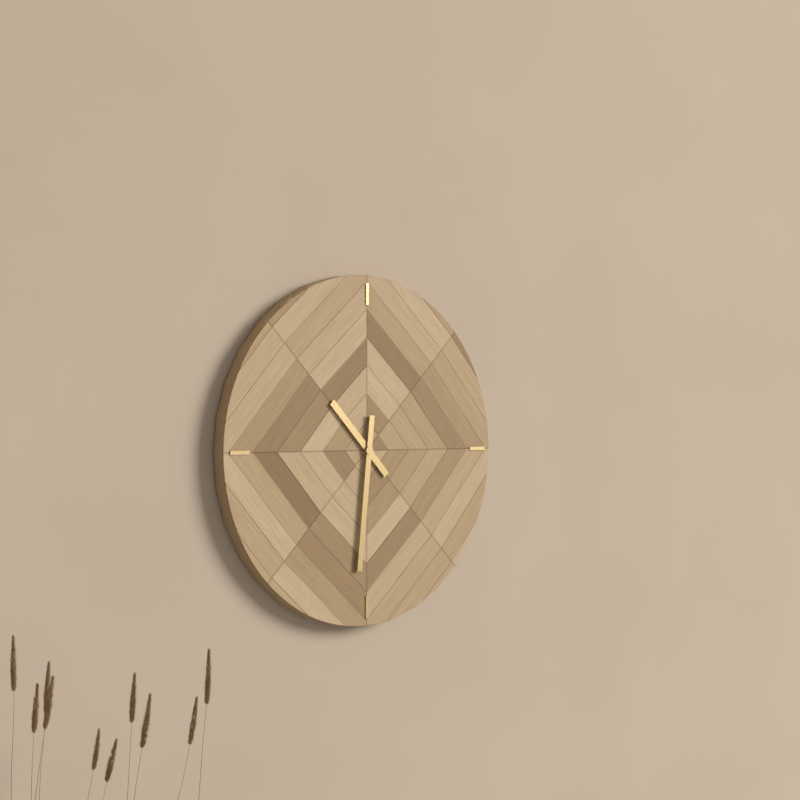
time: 10:31
